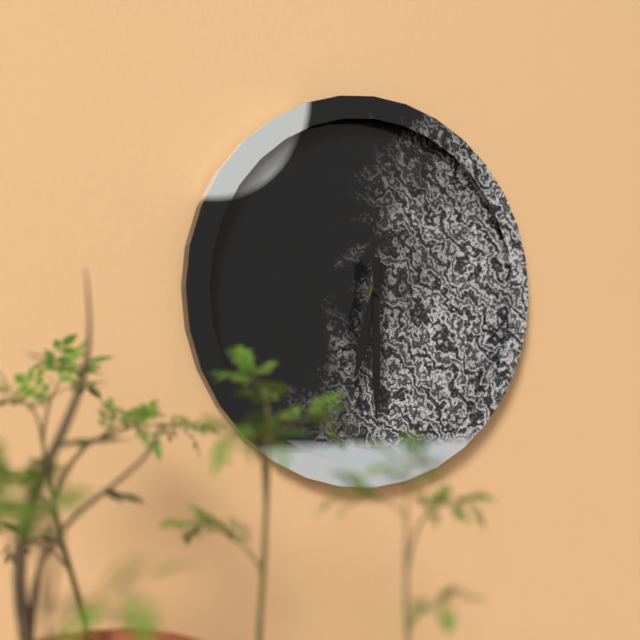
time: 6:30
